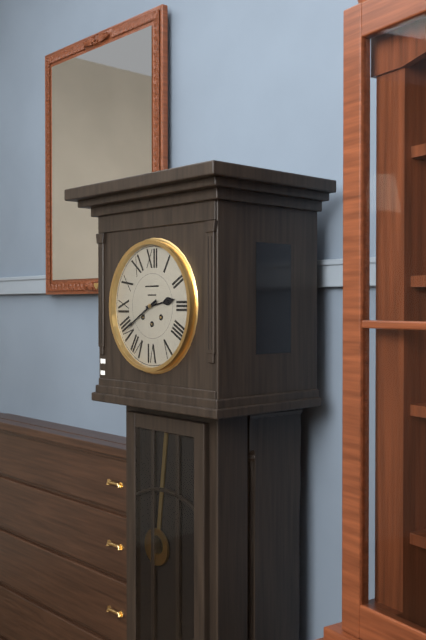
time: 2:40
